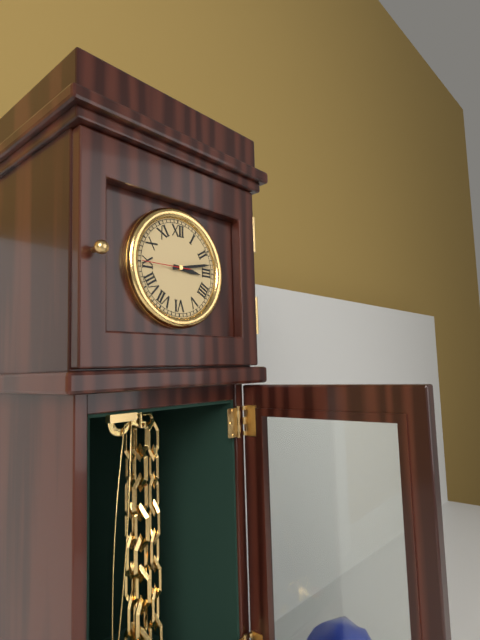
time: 3:13
